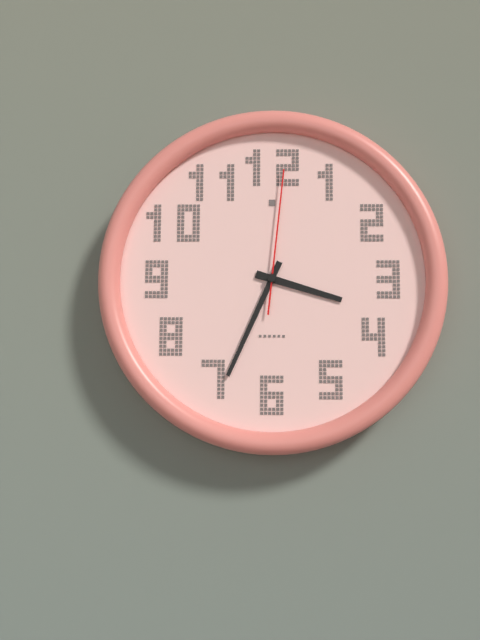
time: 3:34:01
